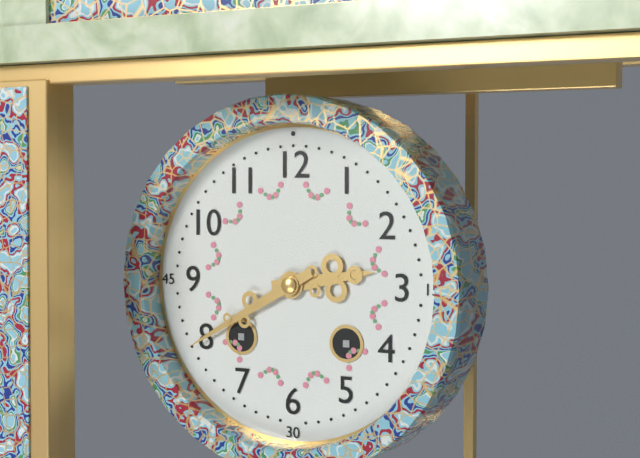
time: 2:40
